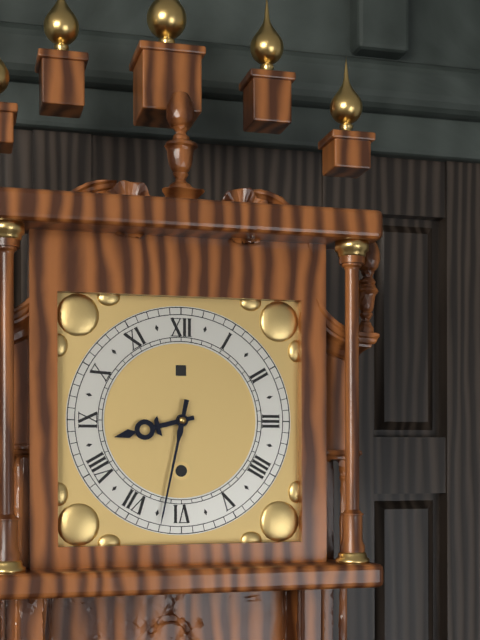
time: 8:32
